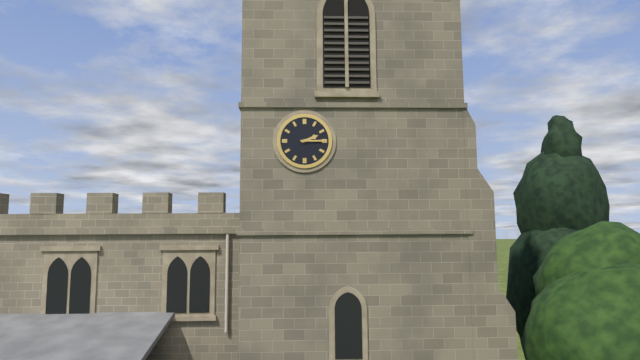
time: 2:15
